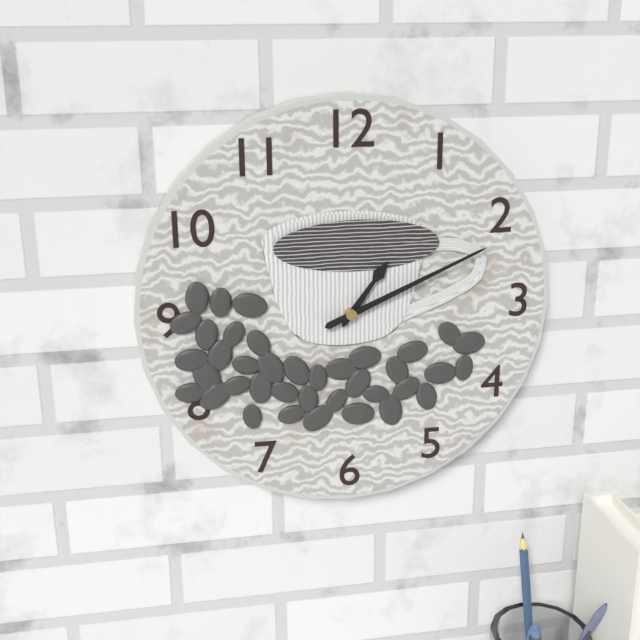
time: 1:11
